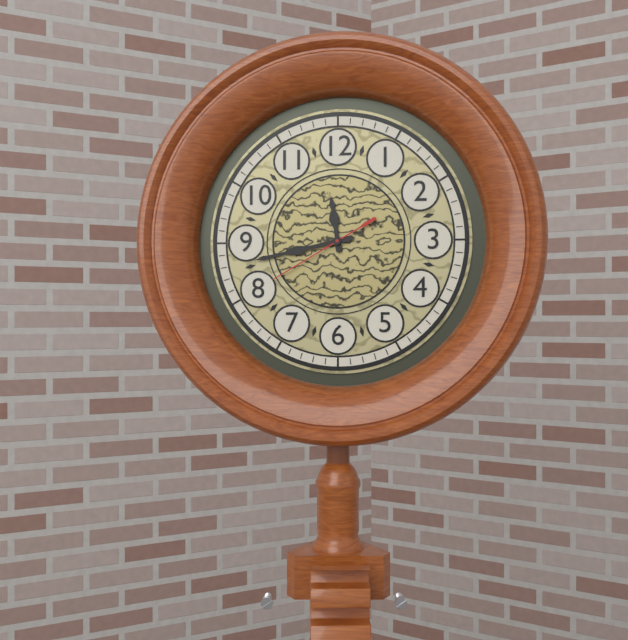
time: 11:43:40
